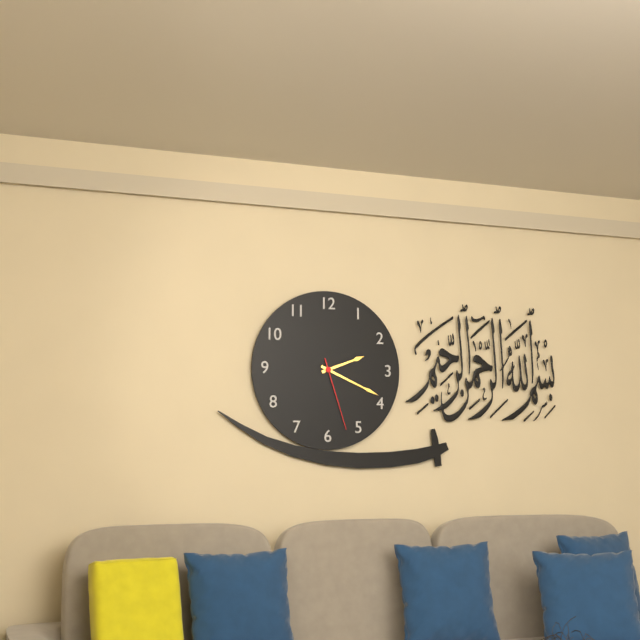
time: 2:19:27
